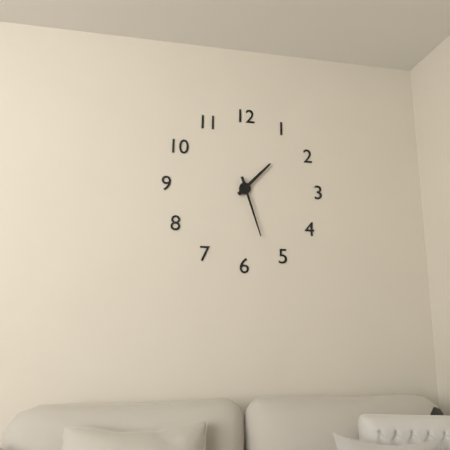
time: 1:27
